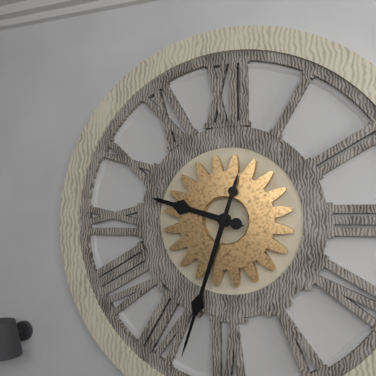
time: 9:33
